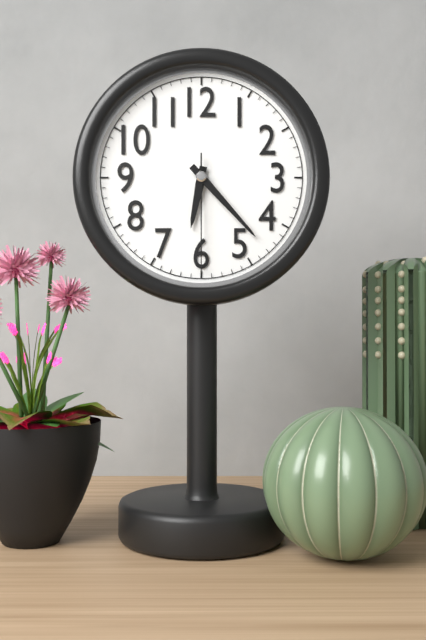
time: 6:23:30
